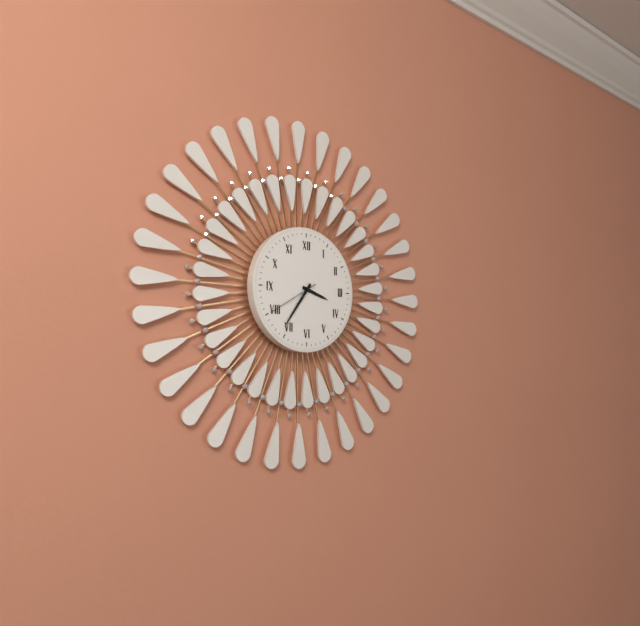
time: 3:36
